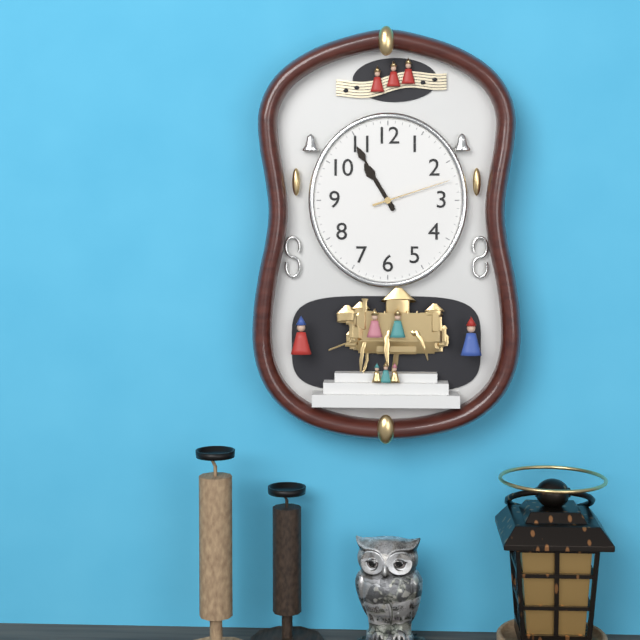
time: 10:55:12
